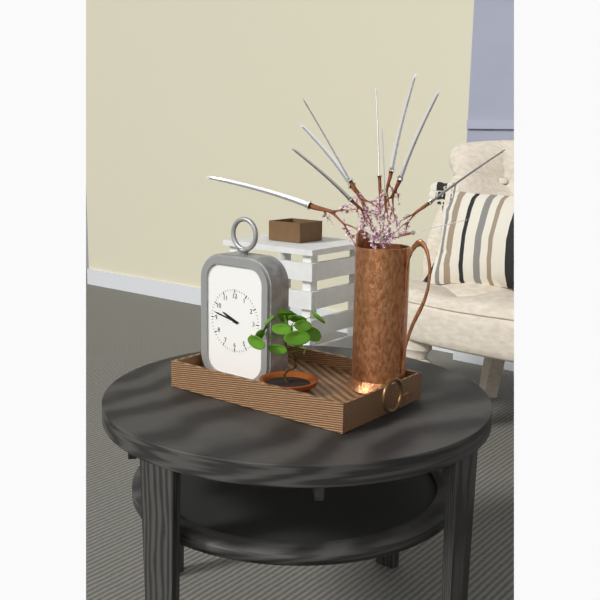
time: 9:47
